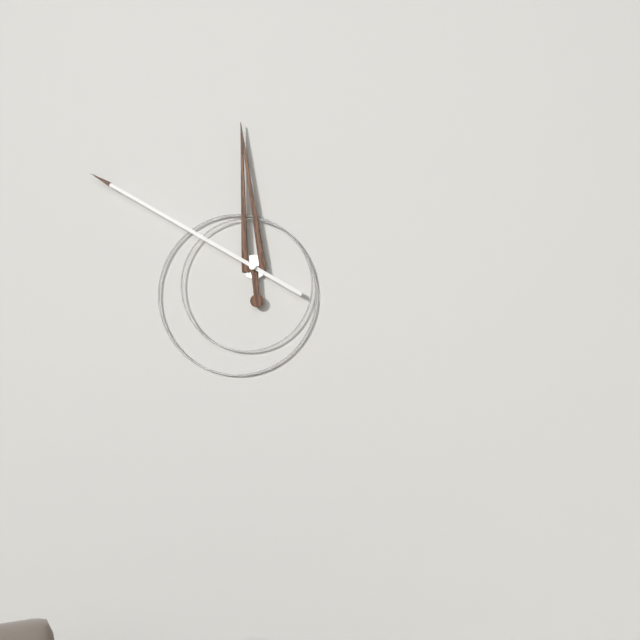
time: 11:50
